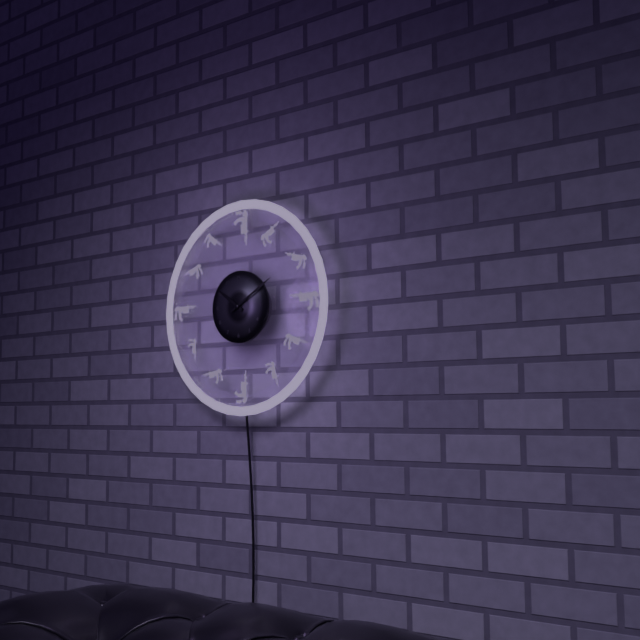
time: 10:10
